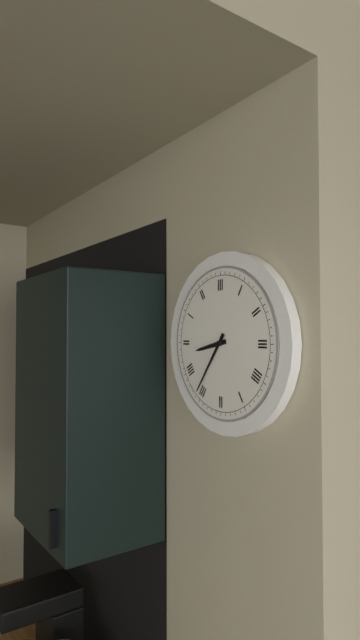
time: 8:36
